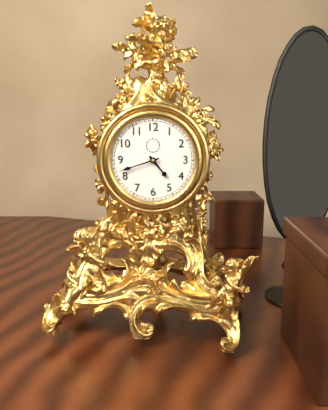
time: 4:42
